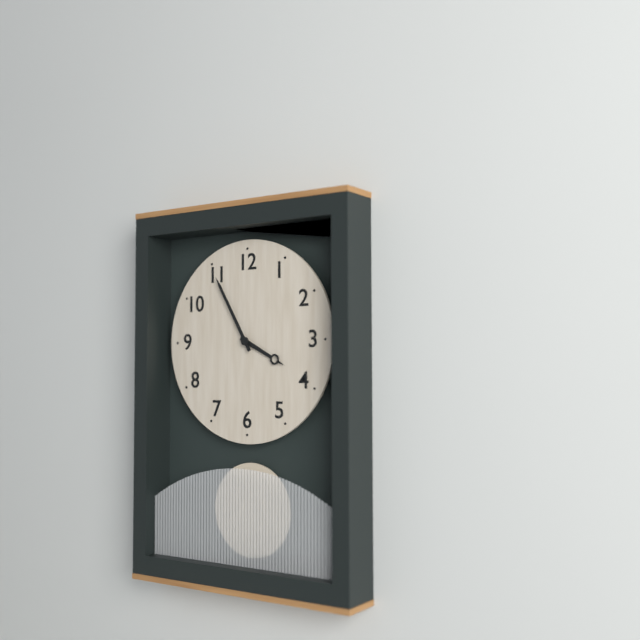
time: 3:55
